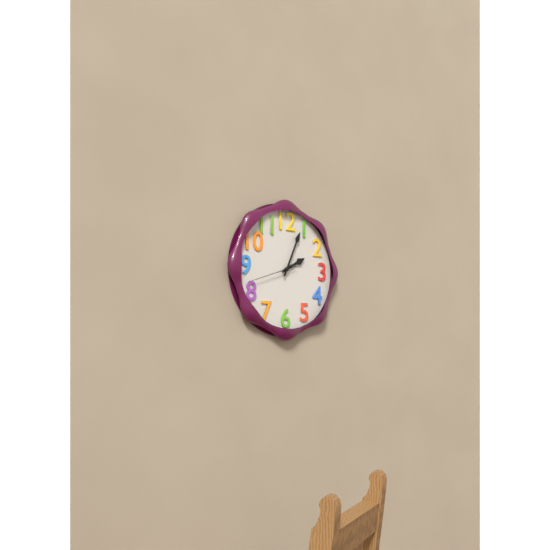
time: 2:04:42
